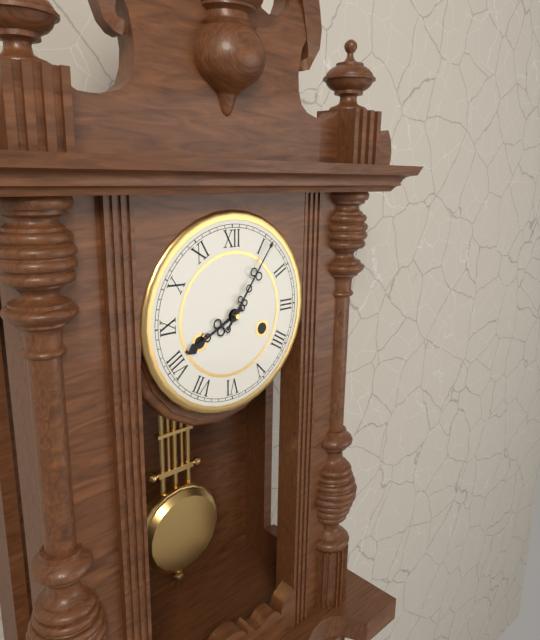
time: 8:06
